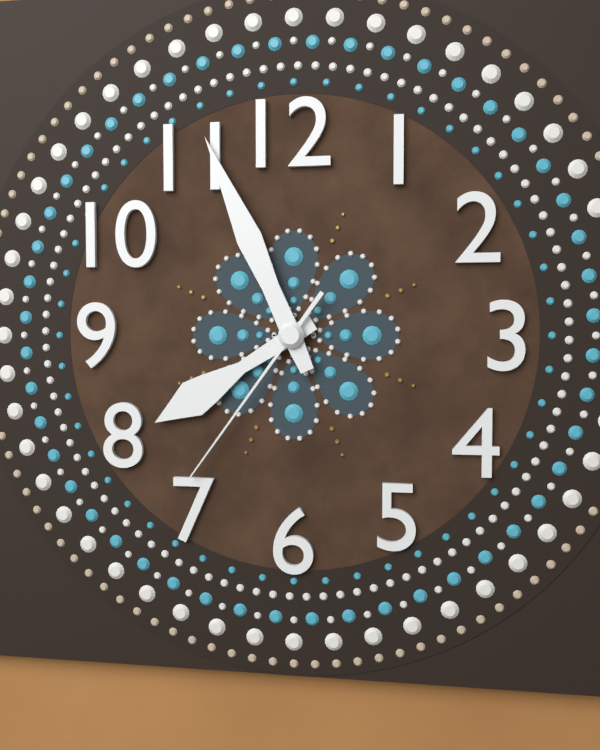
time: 7:56:36
